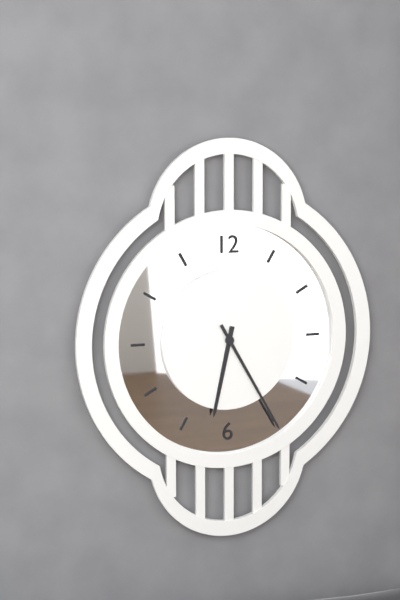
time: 6:25
